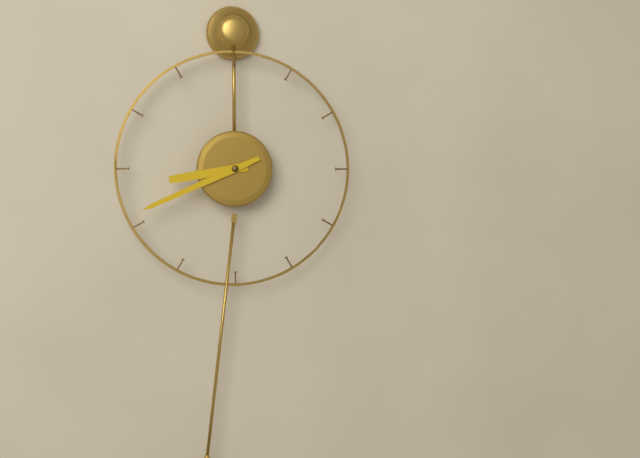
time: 8:41
